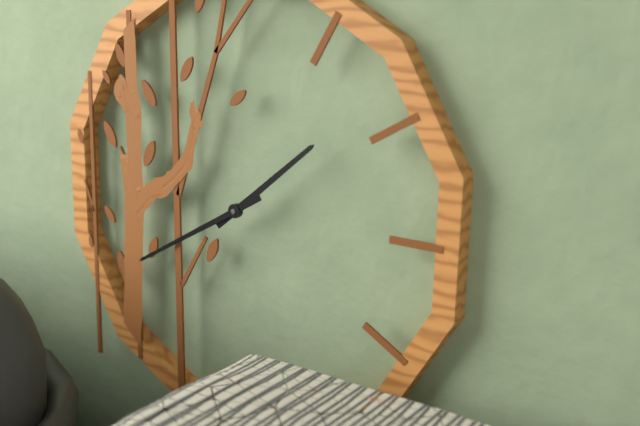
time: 1:40
